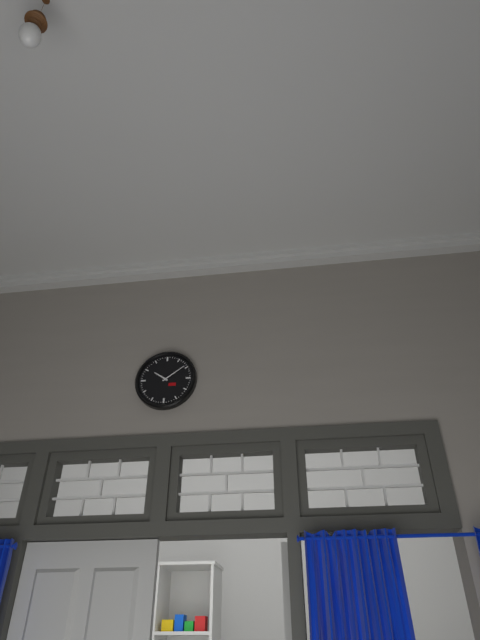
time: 10:09
